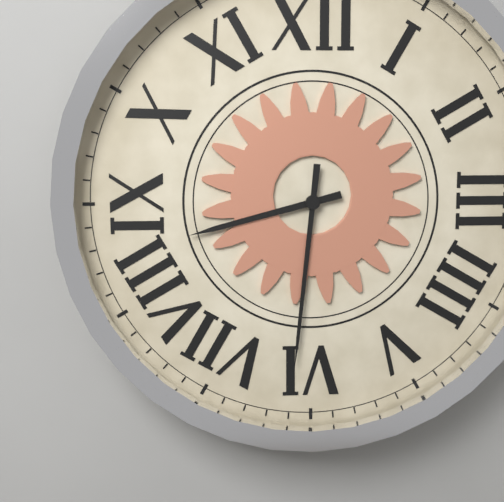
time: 8:31
